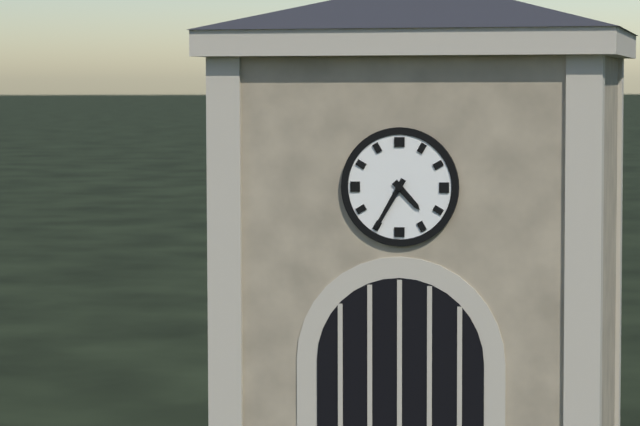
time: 4:35
